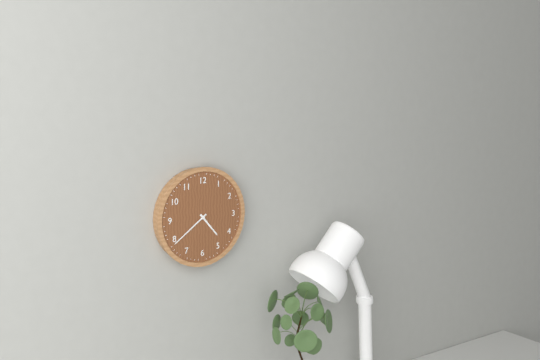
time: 4:39
